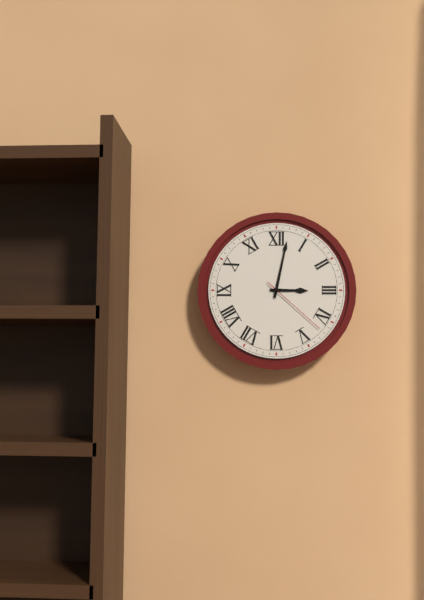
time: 3:02:22
